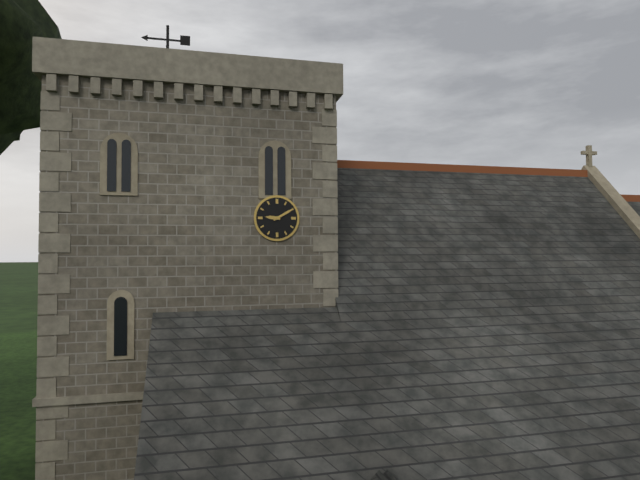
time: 9:10
